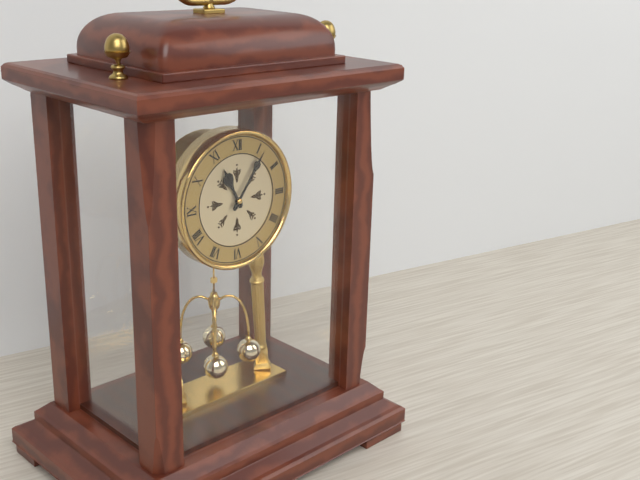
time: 11:06
